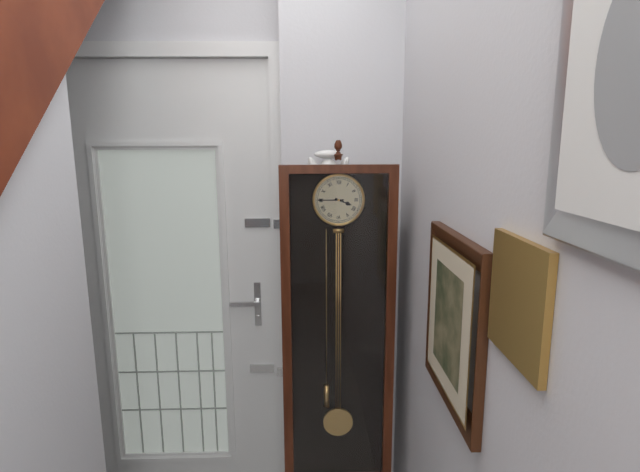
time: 3:45
